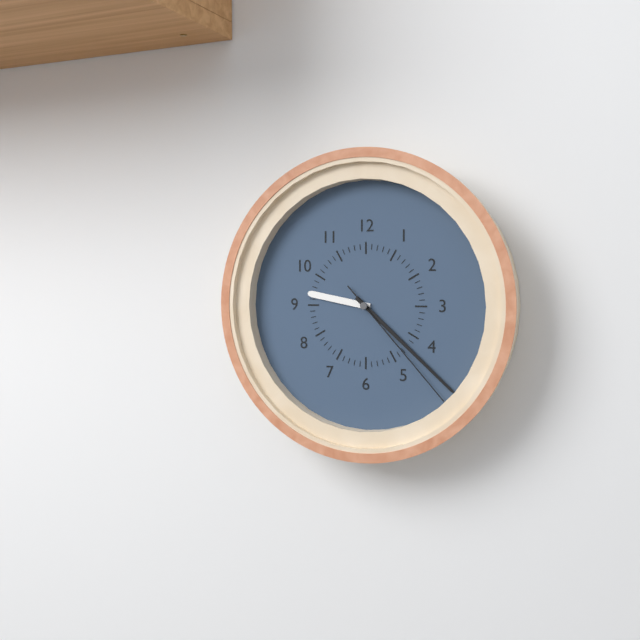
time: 9:22:23
